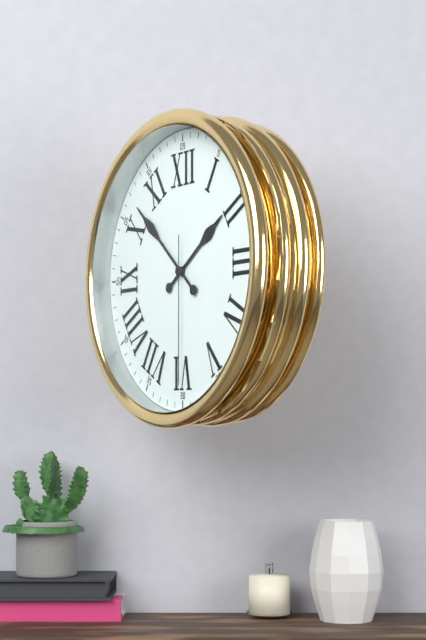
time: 1:52:30
